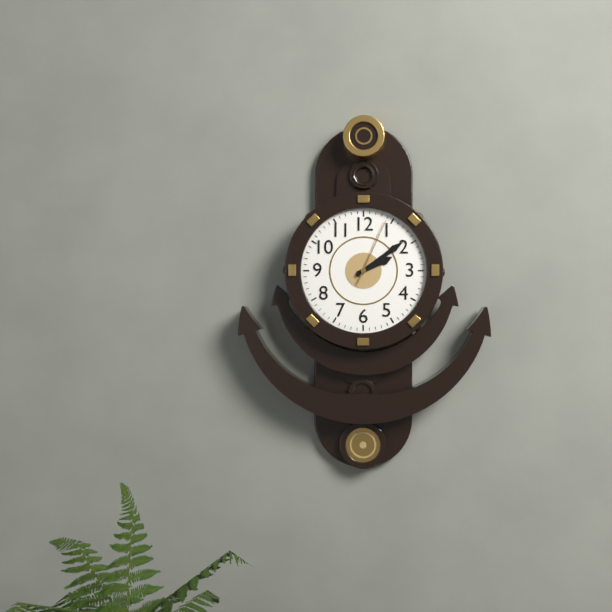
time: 2:09:04
